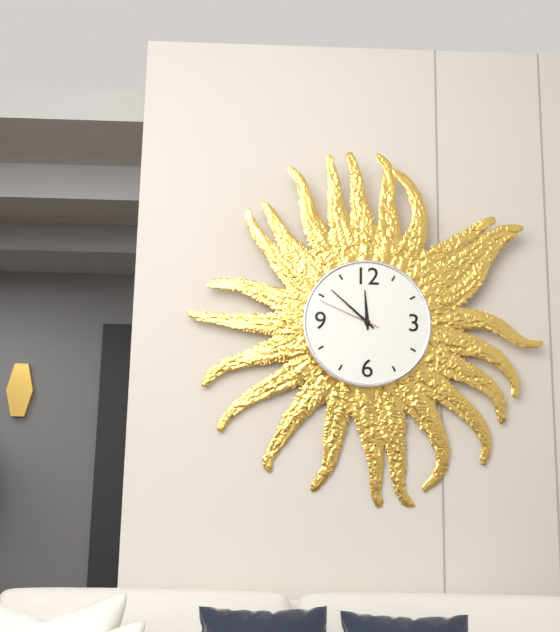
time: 11:52:49
